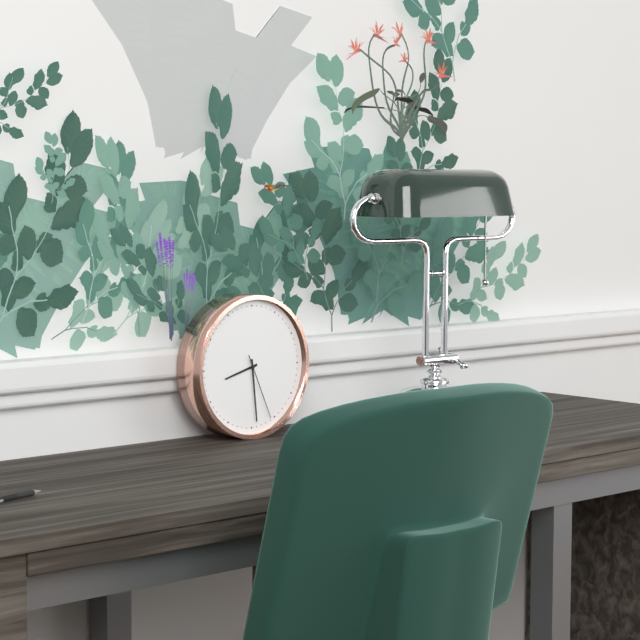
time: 8:29:26
